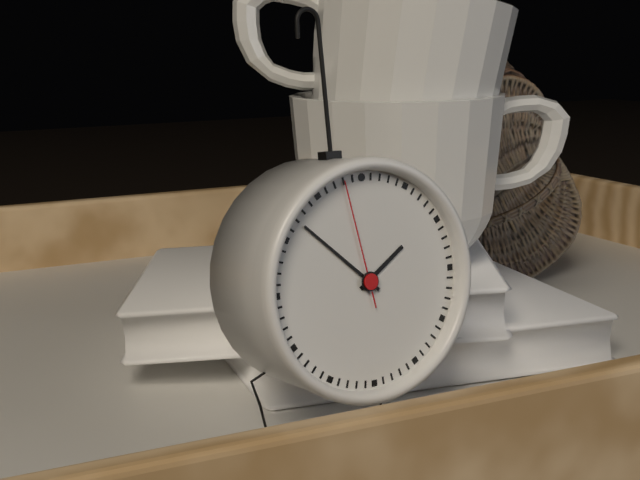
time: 1:52:58
